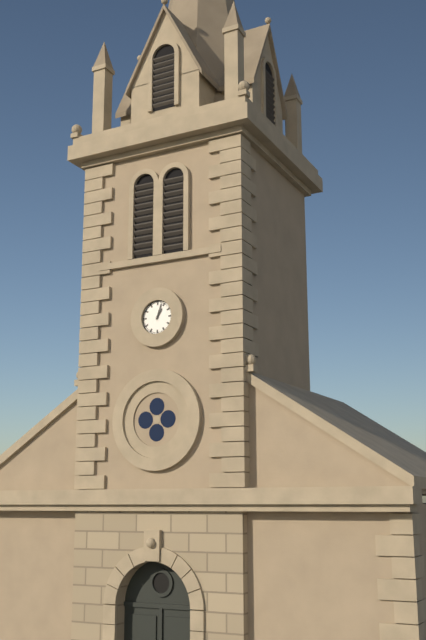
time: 1:03
